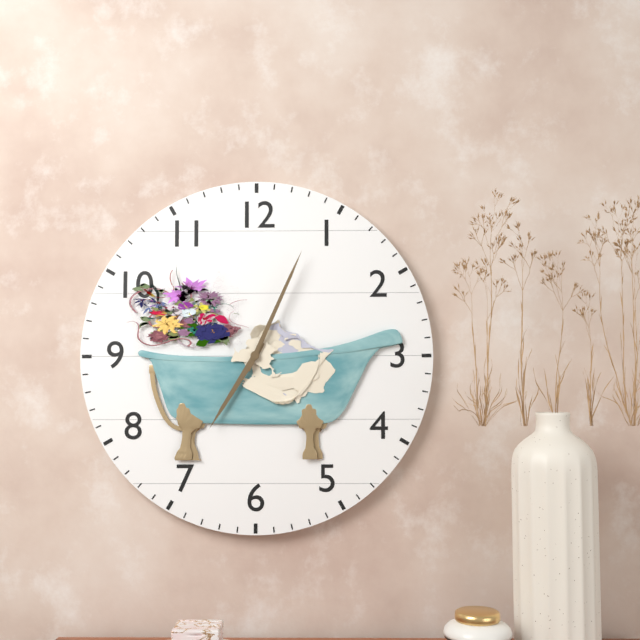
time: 7:04
